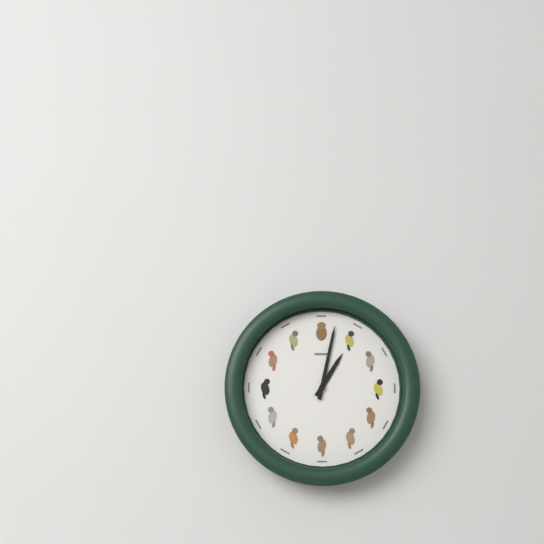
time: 1:02
